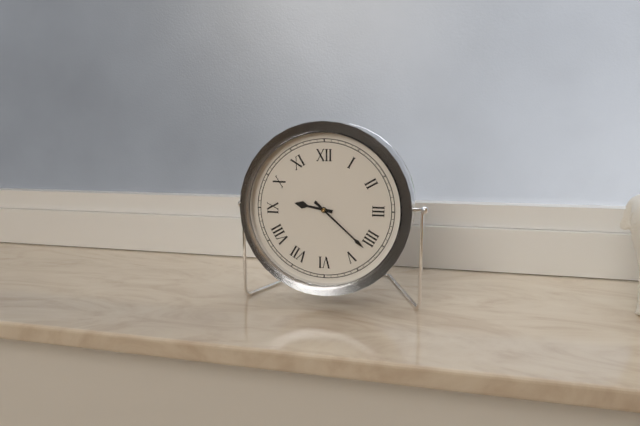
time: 9:22
